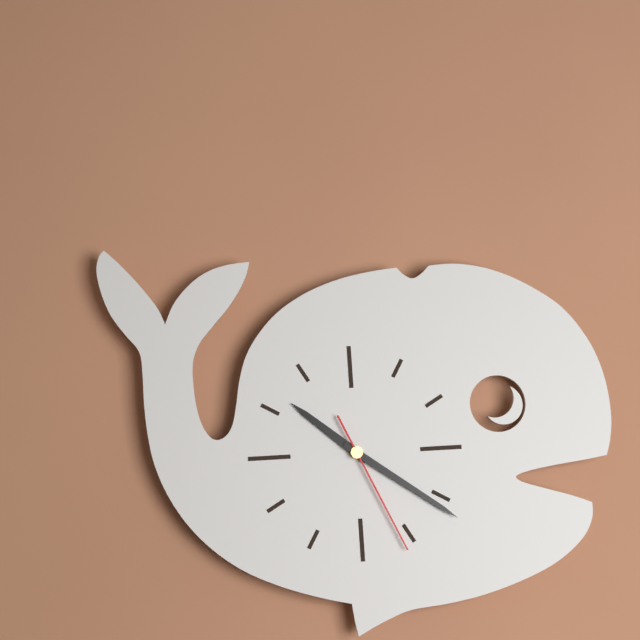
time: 10:21:26
